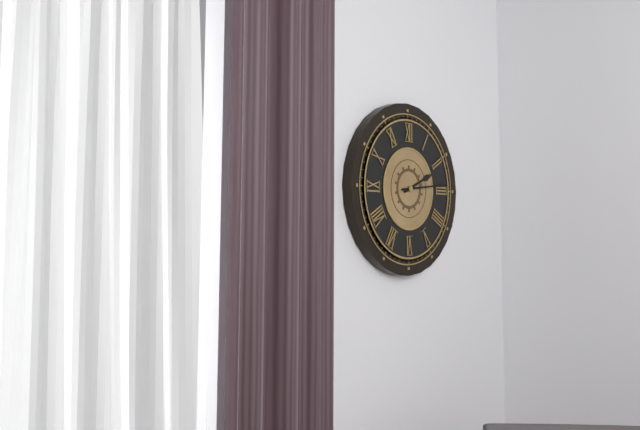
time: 2:14
